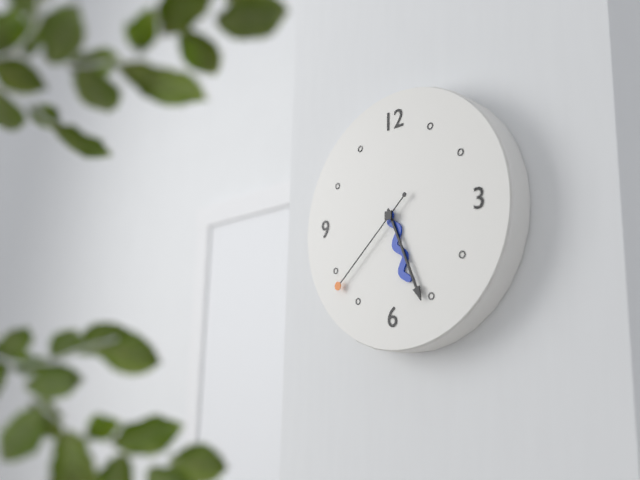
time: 5:26:38
